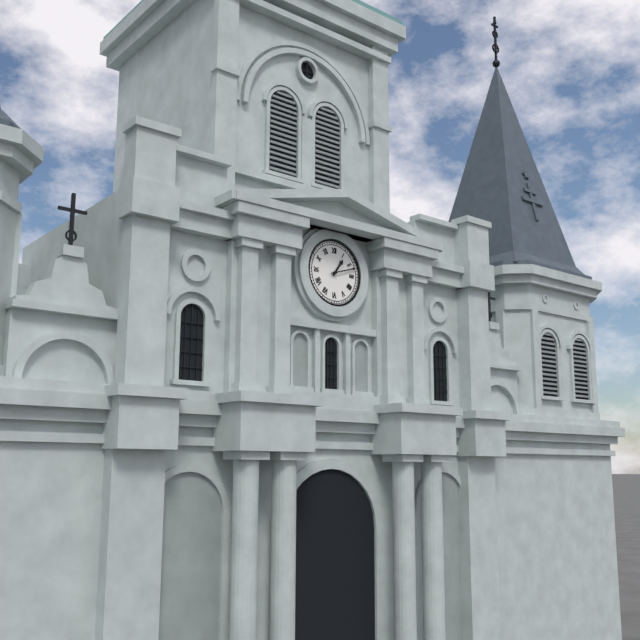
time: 1:12
